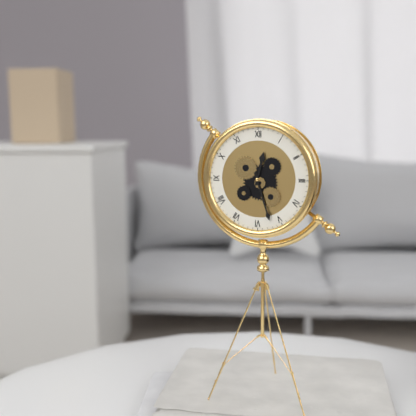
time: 12:27
